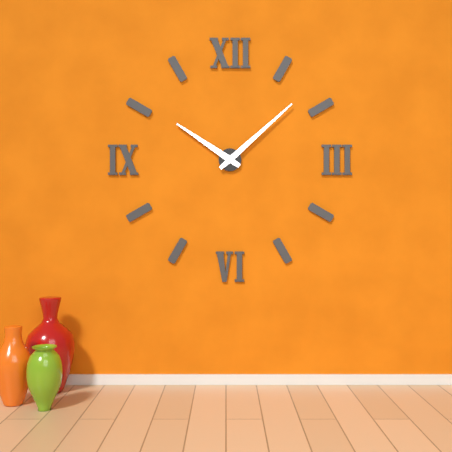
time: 10:08
